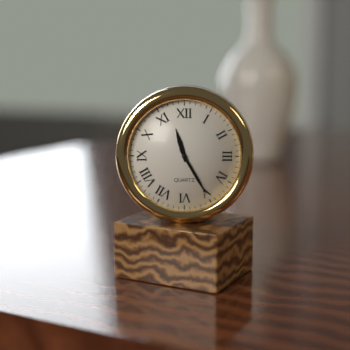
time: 11:25
